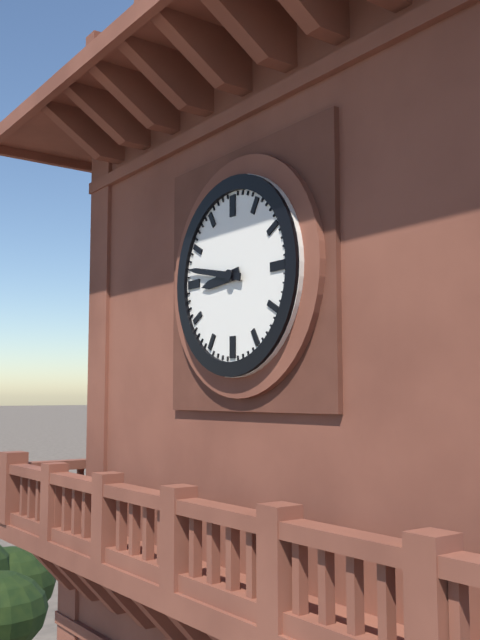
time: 8:47
